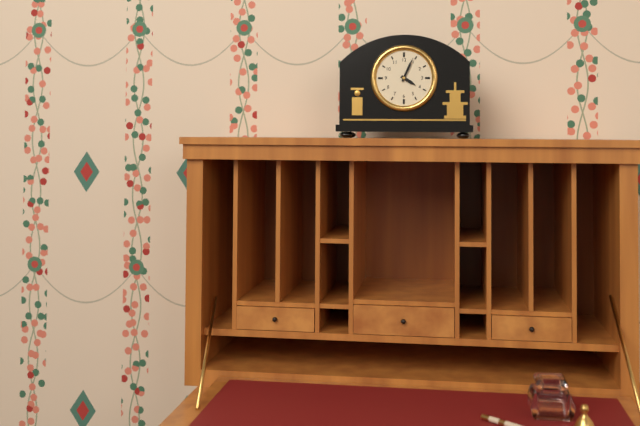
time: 4:04
